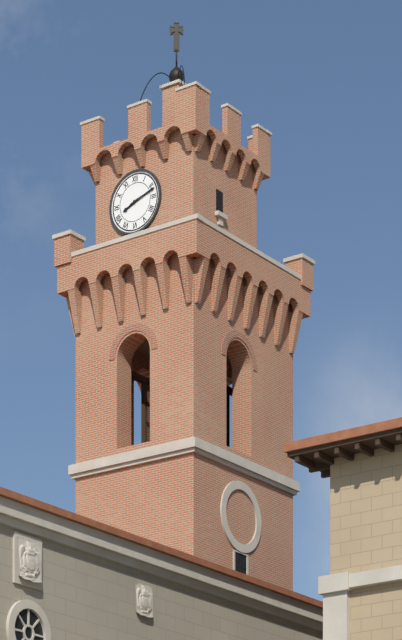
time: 8:12
